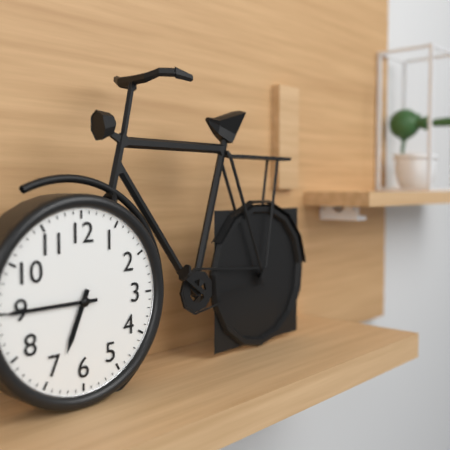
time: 6:45
